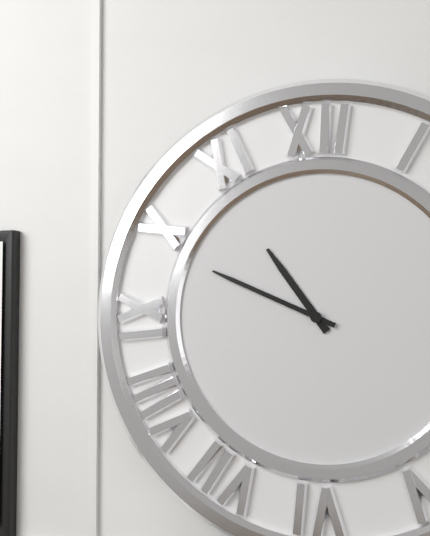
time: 10:49
